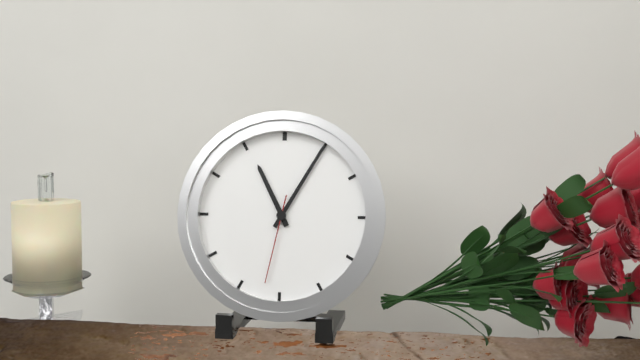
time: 11:05:32
